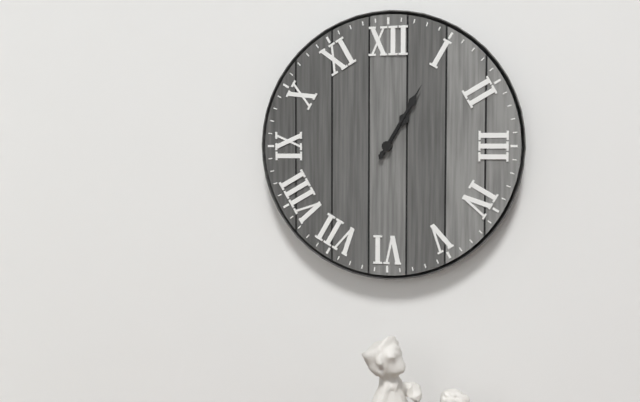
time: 1:05
